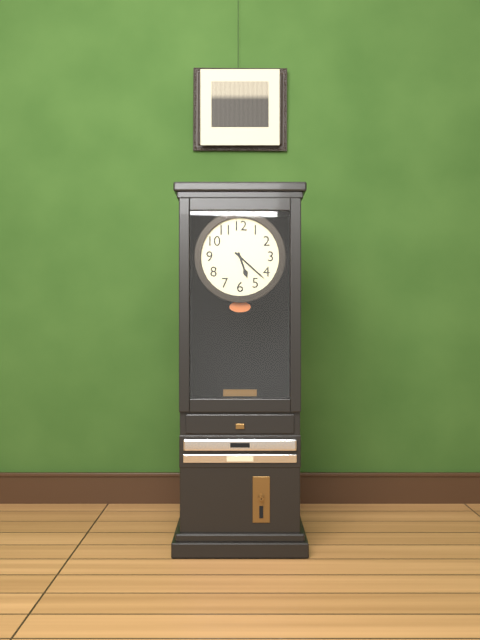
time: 5:22
